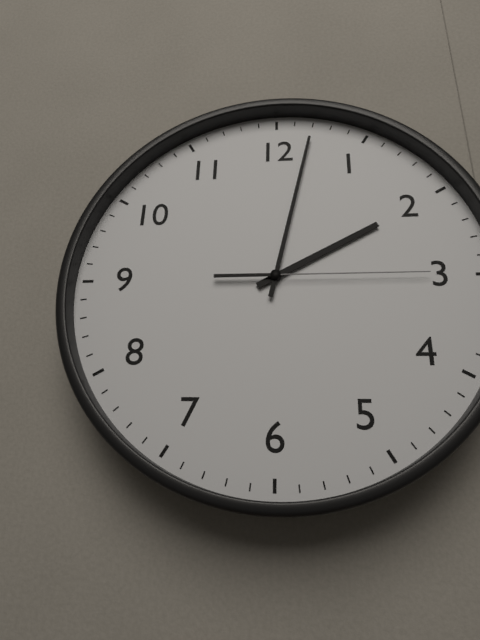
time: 2:02:15
